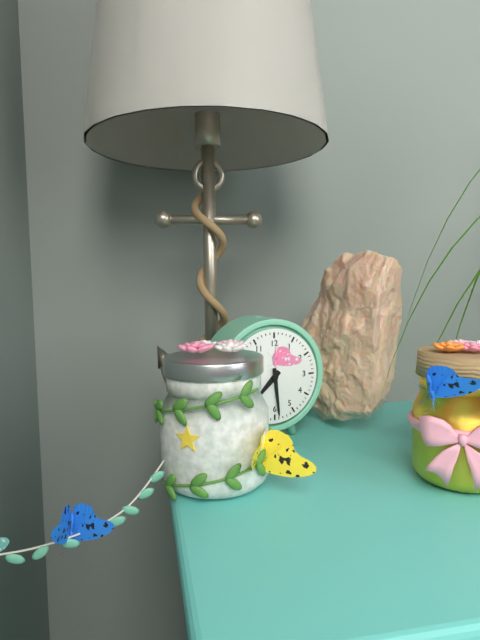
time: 7:29
